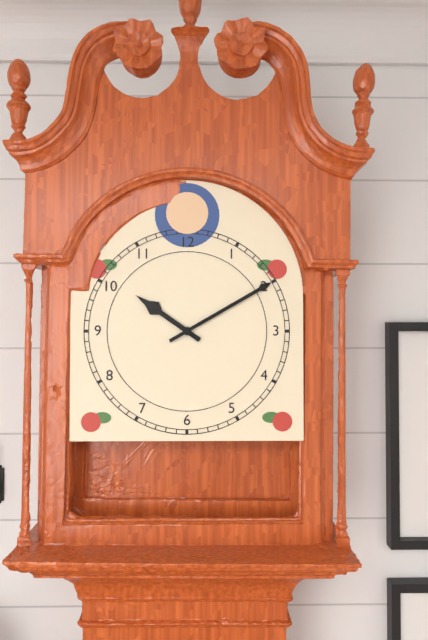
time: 10:10
